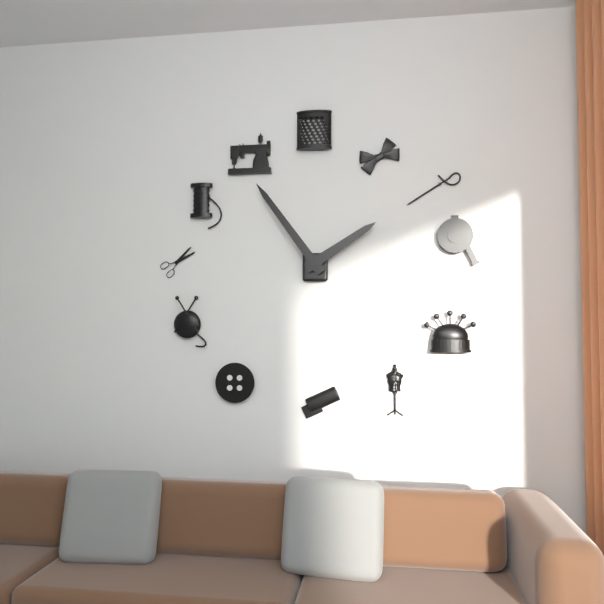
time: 1:54
